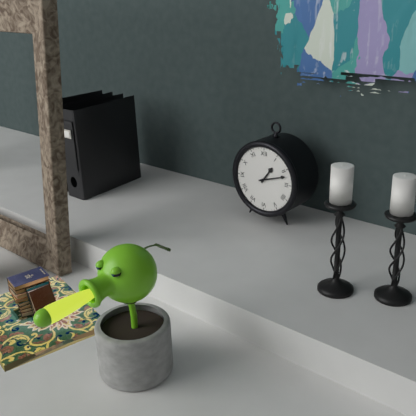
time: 1:12
